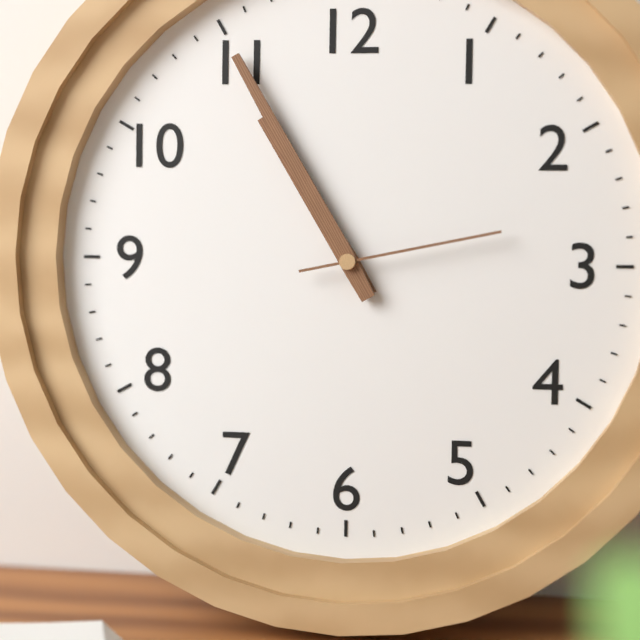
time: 10:55:13
